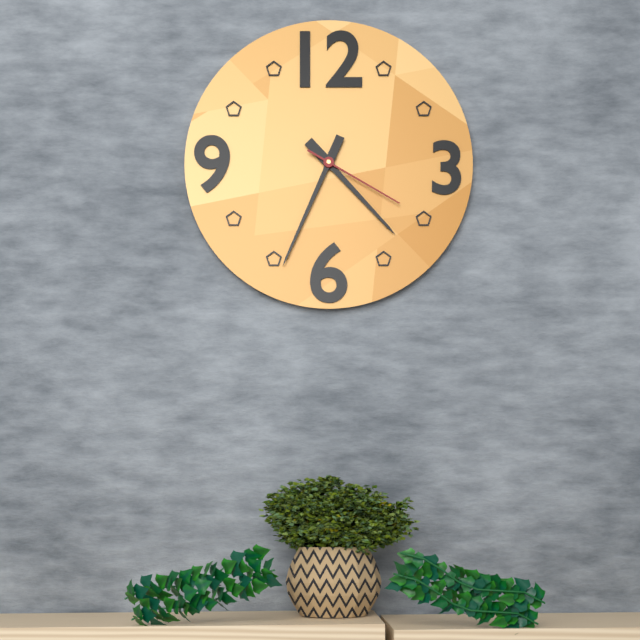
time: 4:34:20
